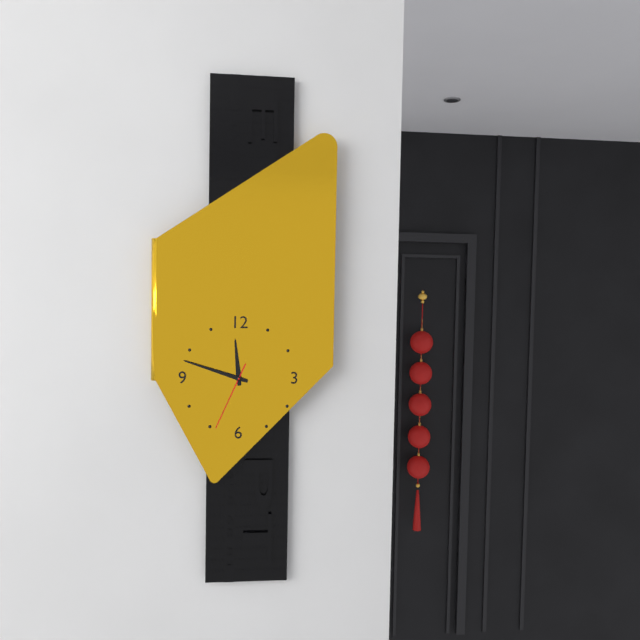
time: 11:48:34
